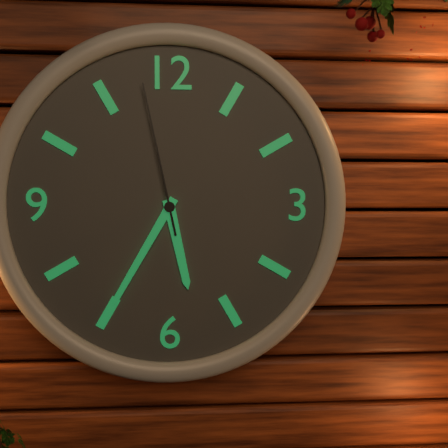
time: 5:35:58
